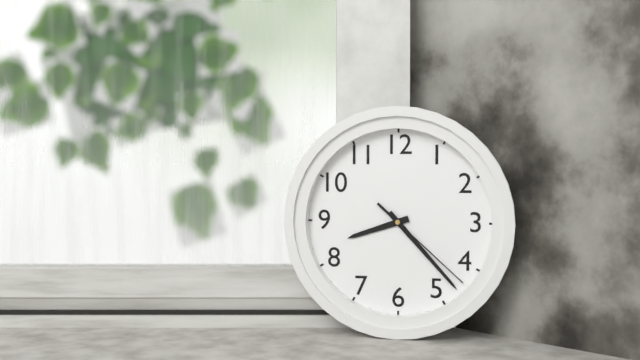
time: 8:23:22
